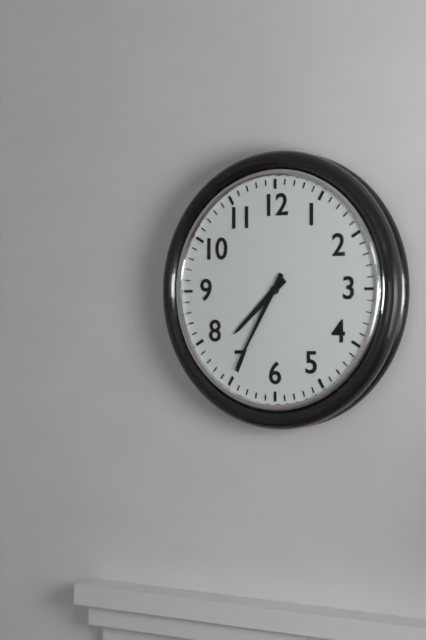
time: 7:35
